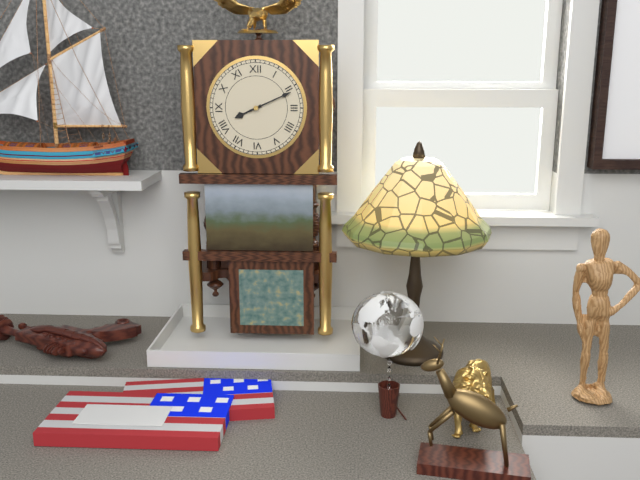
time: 8:11
